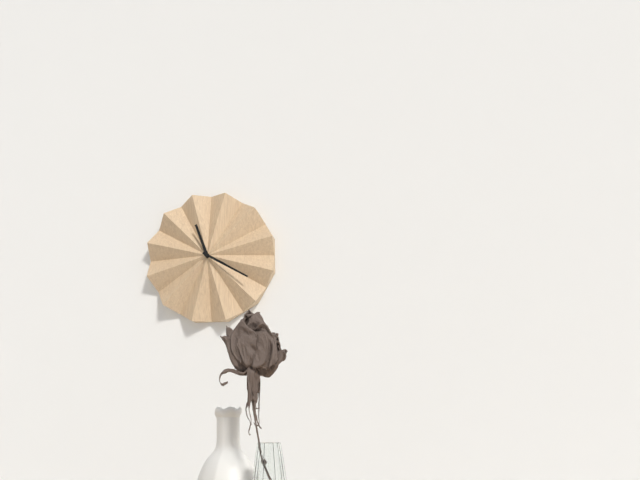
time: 11:20
